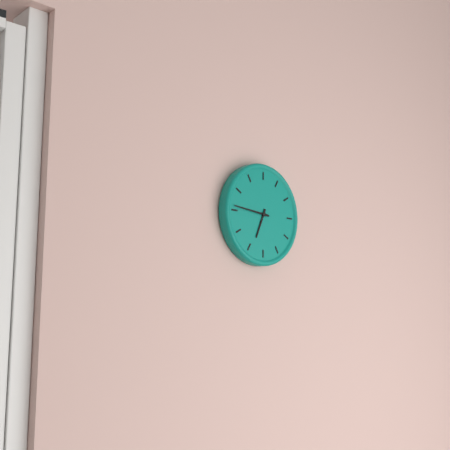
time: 6:46
